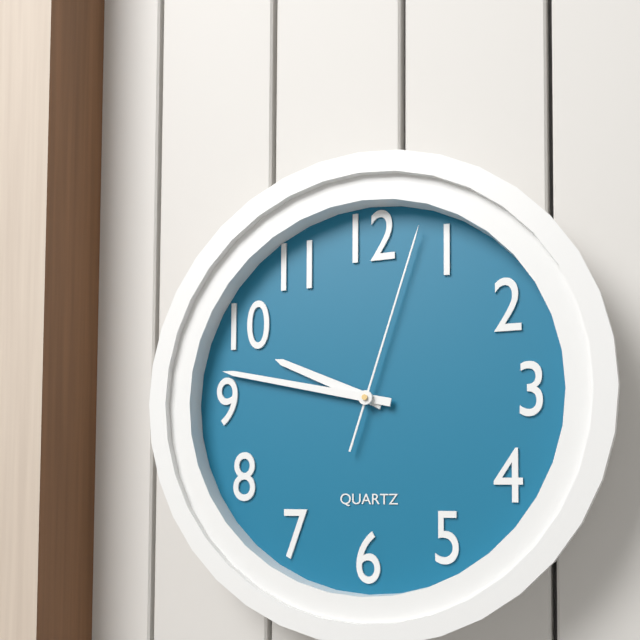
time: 9:47:03
